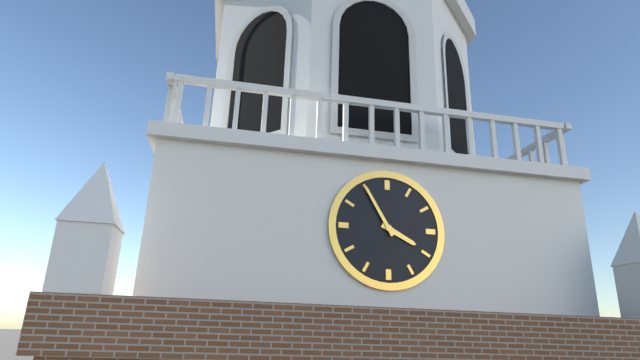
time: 3:55
